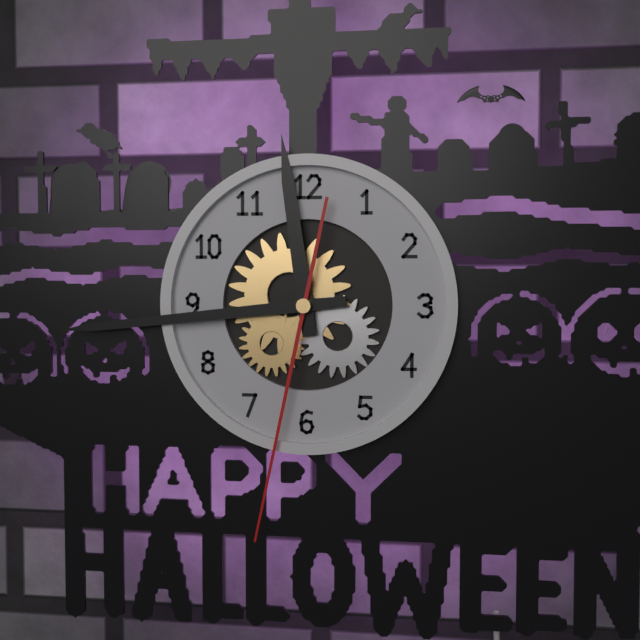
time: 11:44:32
